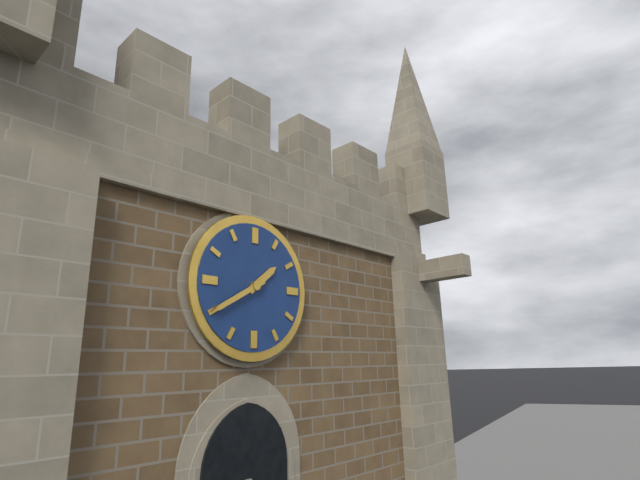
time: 1:40
